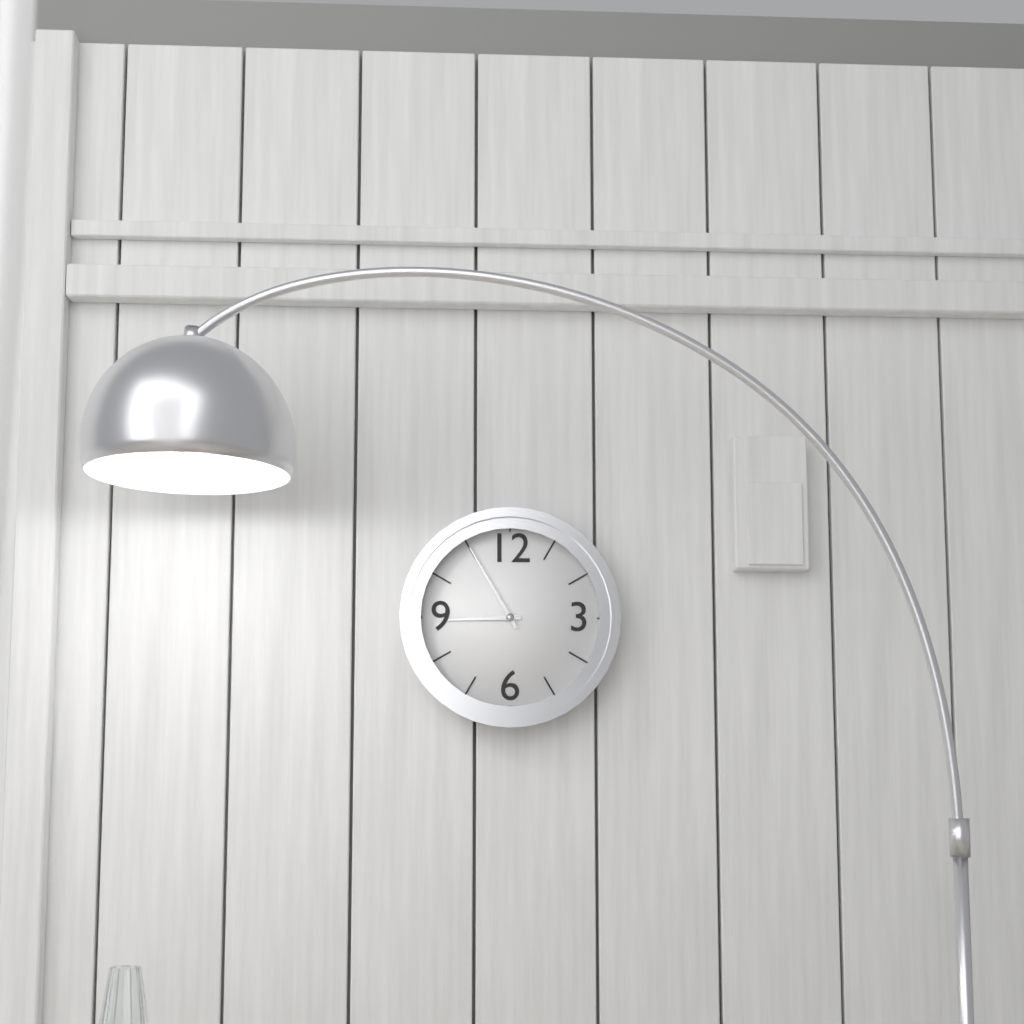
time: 8:55
